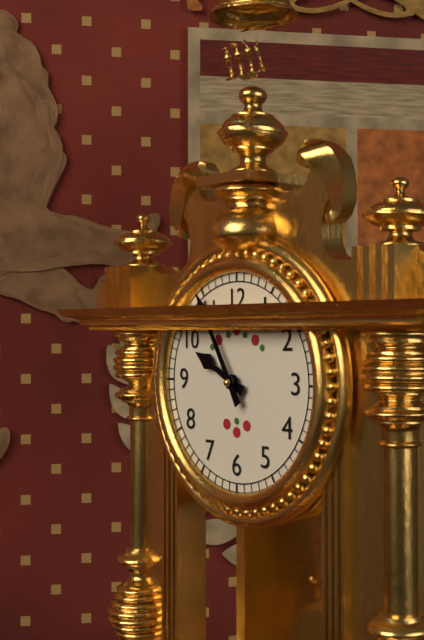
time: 9:55
